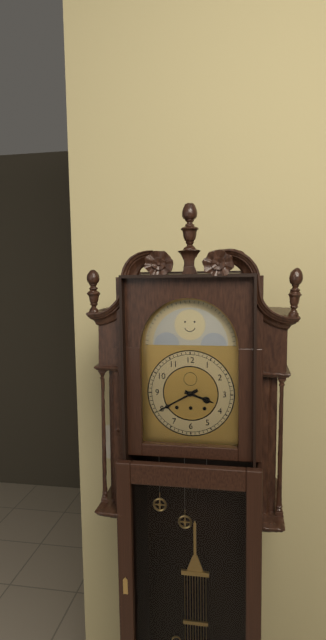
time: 3:40
